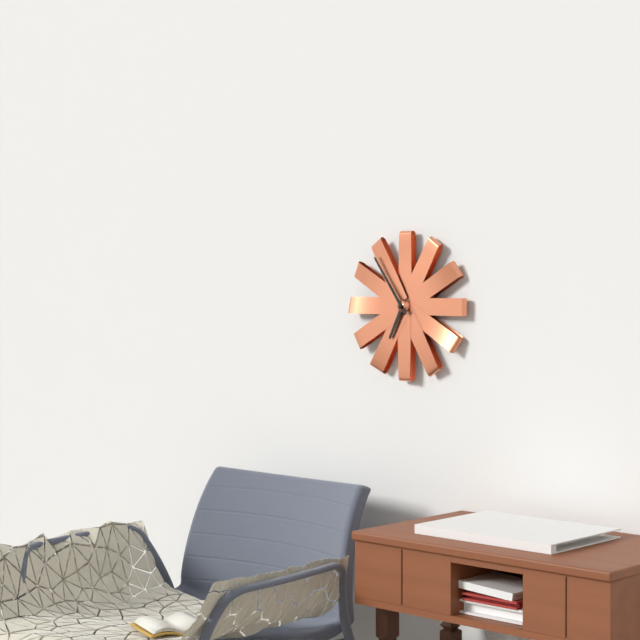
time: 6:54
